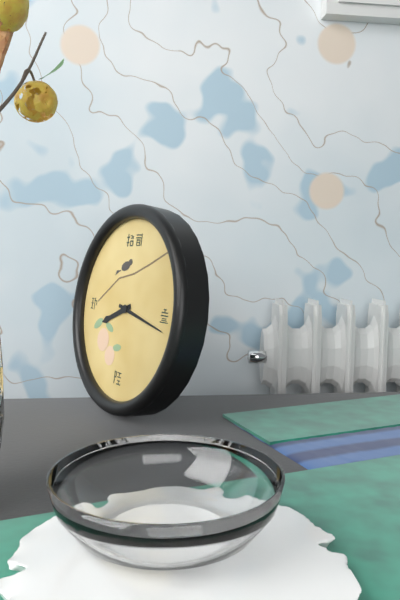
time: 8:17
